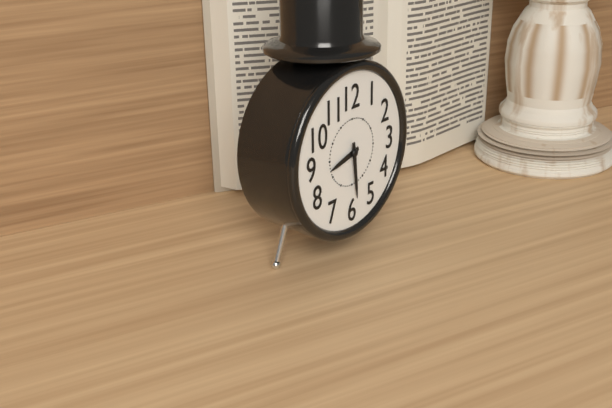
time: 8:29
